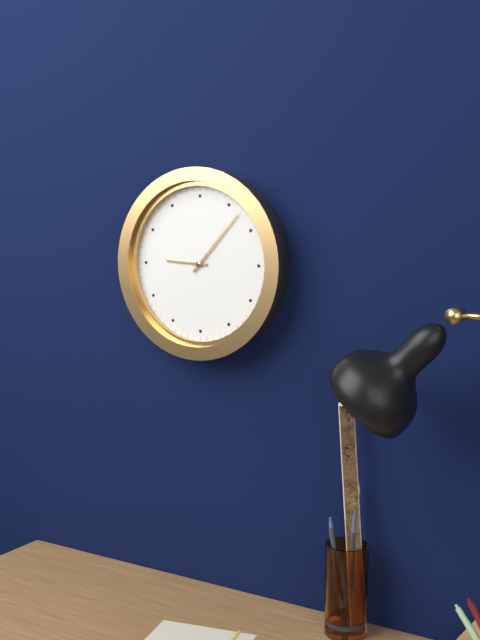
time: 9:07
